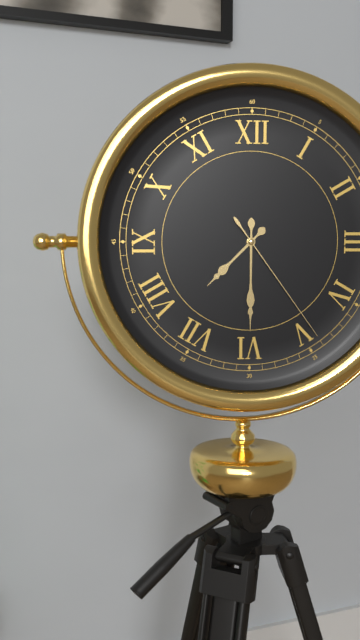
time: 7:30:24
